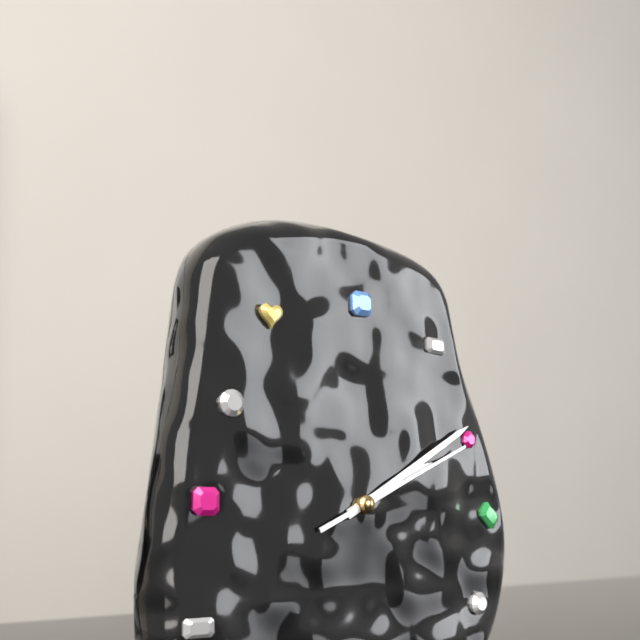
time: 2:10:11
